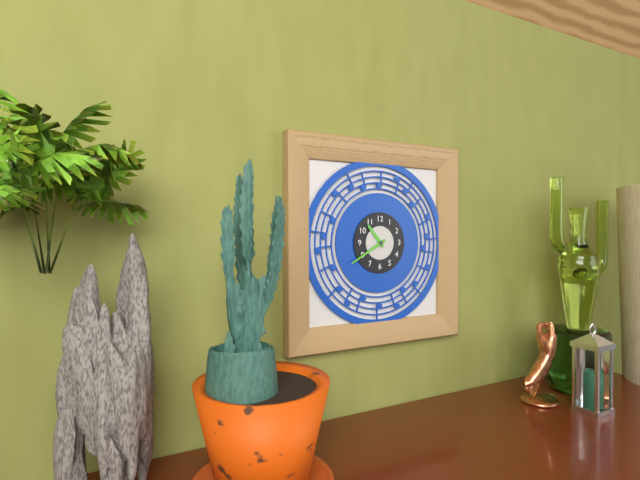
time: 10:40
